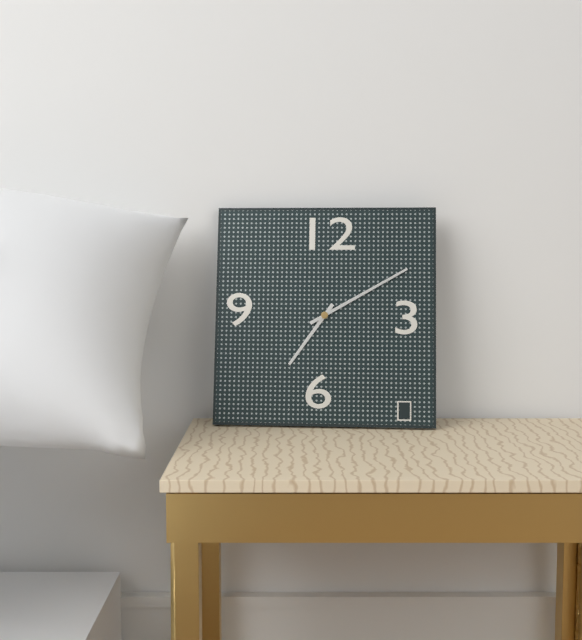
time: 7:10
